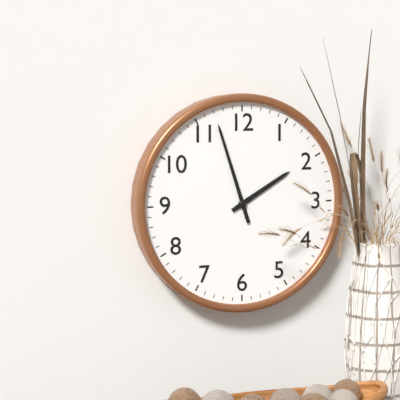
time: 1:57
